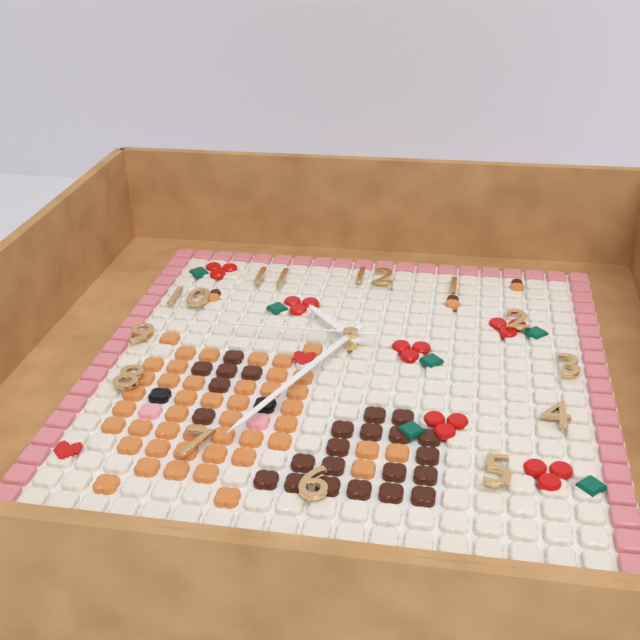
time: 10:34:45
